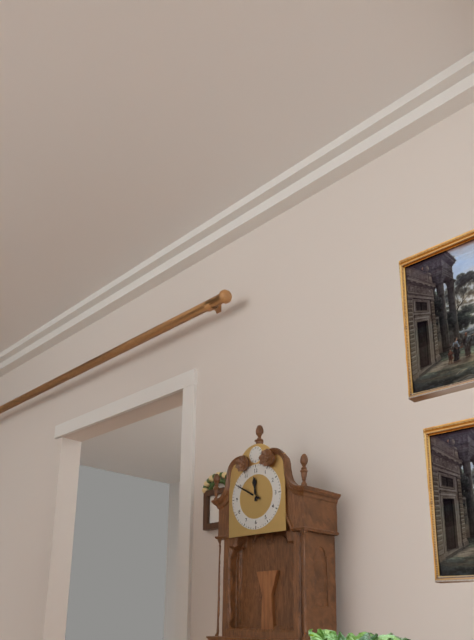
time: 11:50
